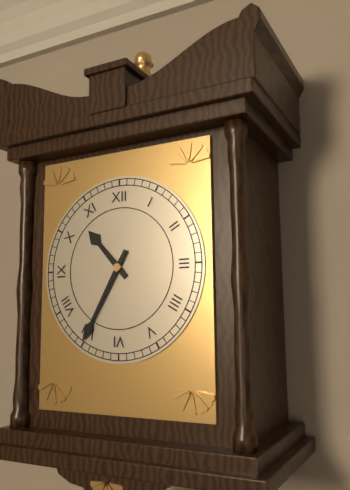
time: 10:35
